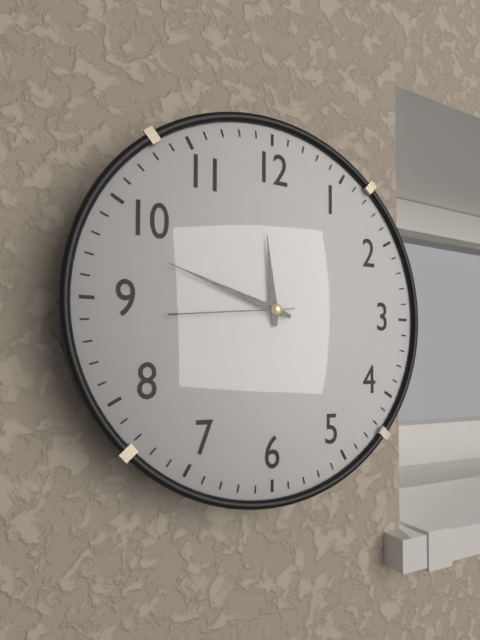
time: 11:48:44
